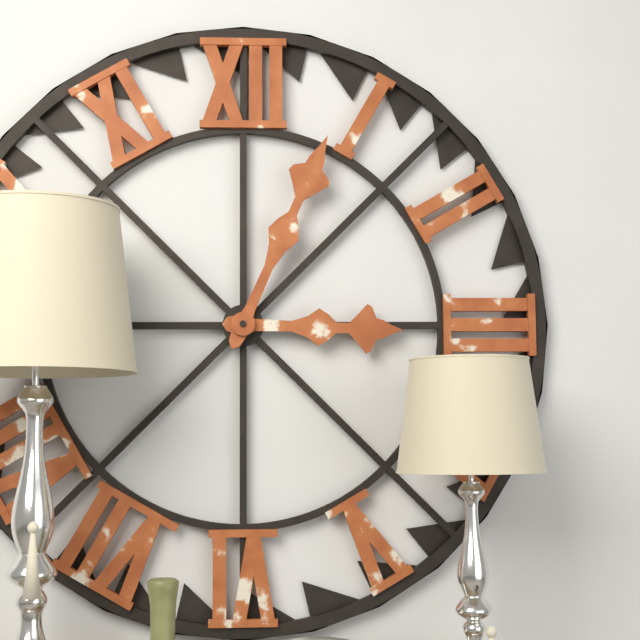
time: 3:04
